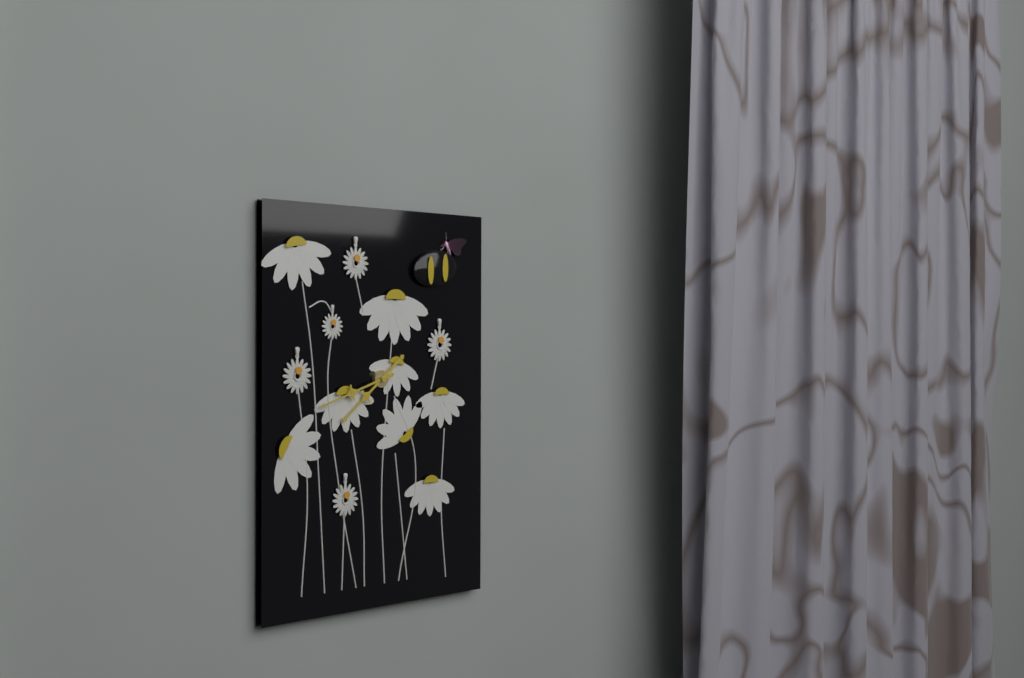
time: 7:42
